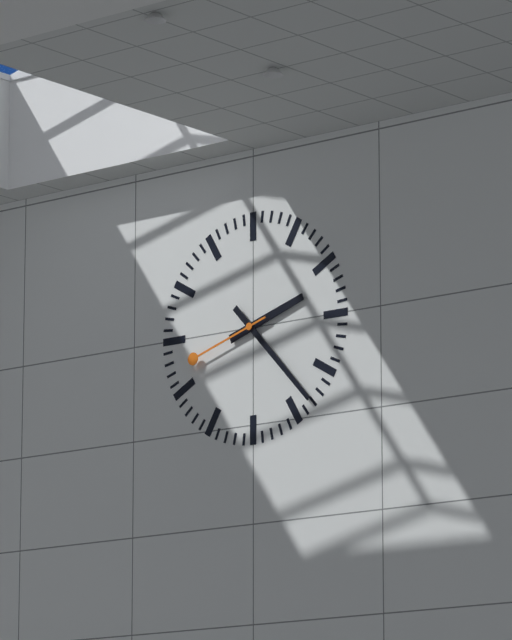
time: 2:23:42
